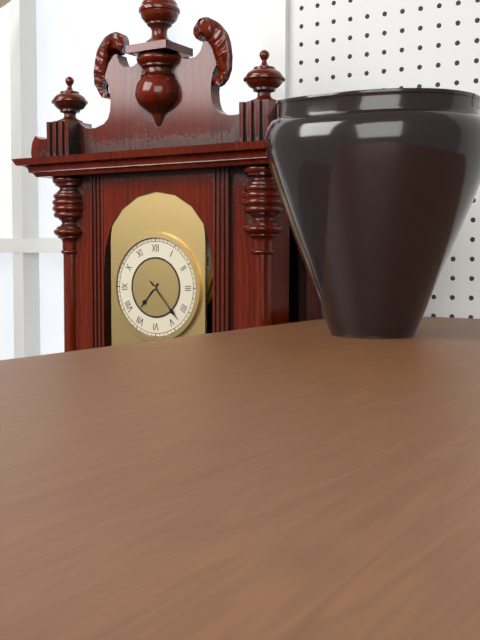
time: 7:23
